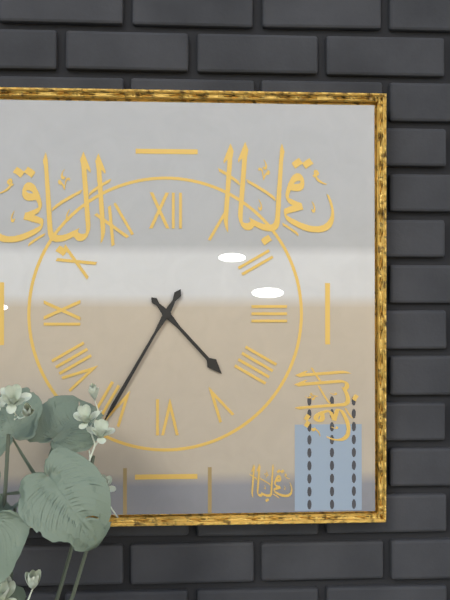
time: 4:35
